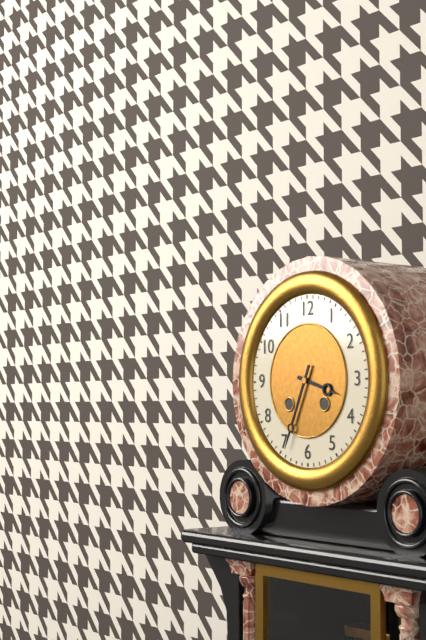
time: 3:34
